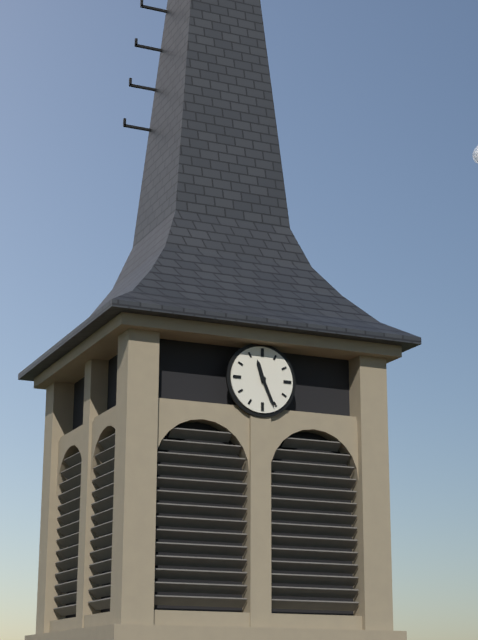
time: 11:26
